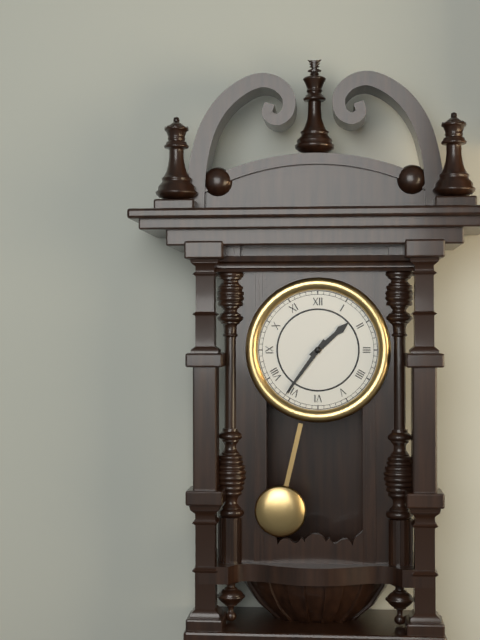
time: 1:36
